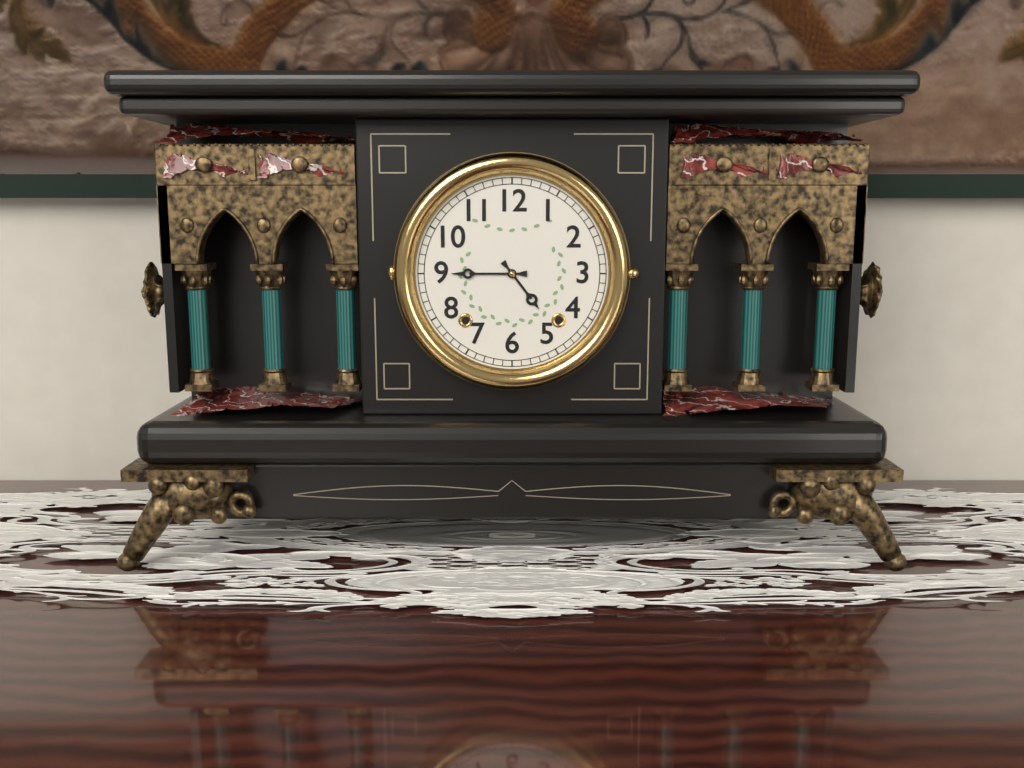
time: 4:45
